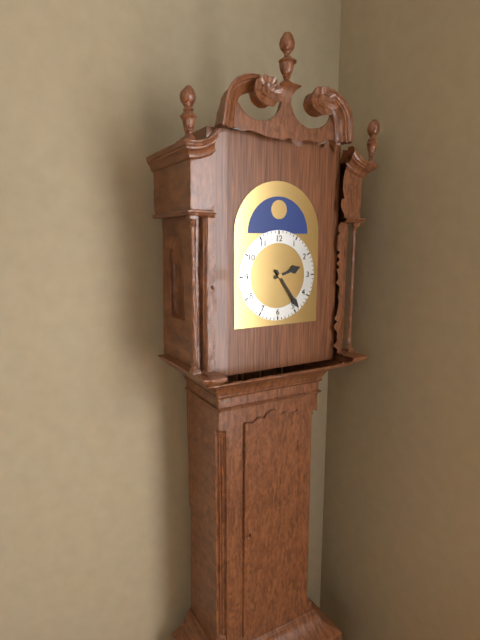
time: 2:24
